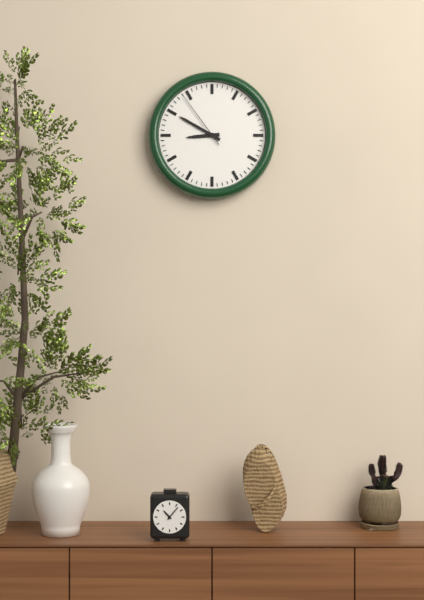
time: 8:50:54
